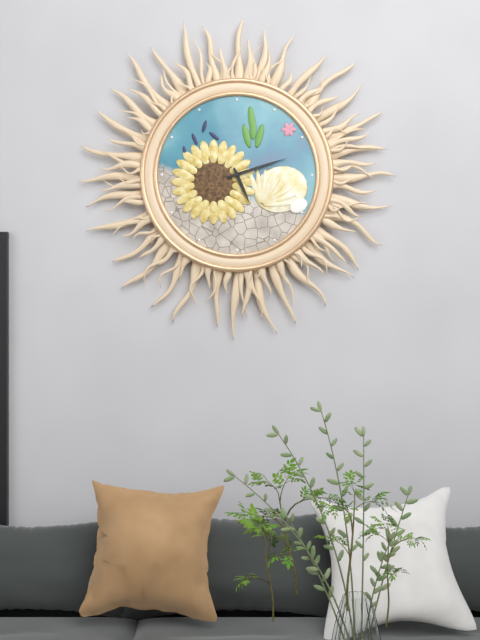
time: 5:12
